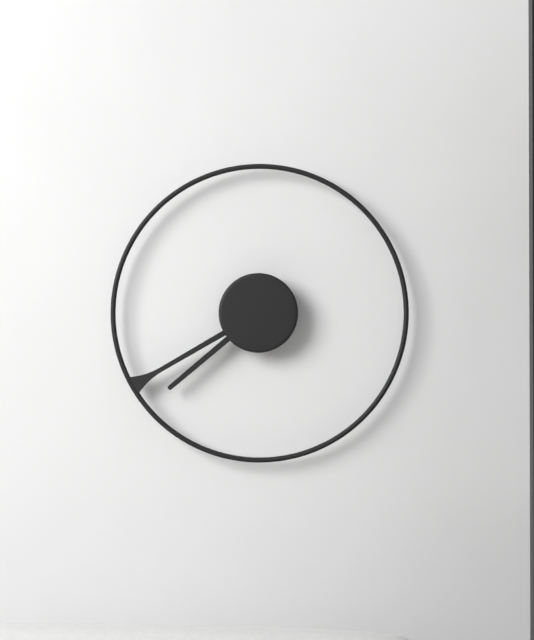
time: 7:40
